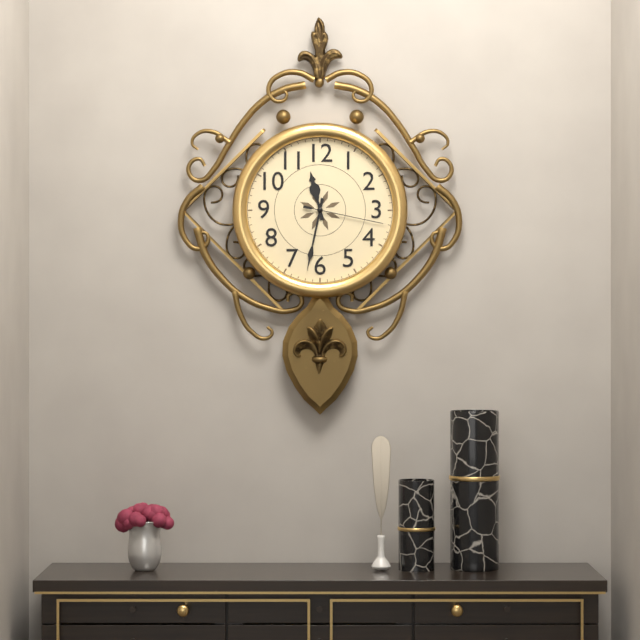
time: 11:32:17
